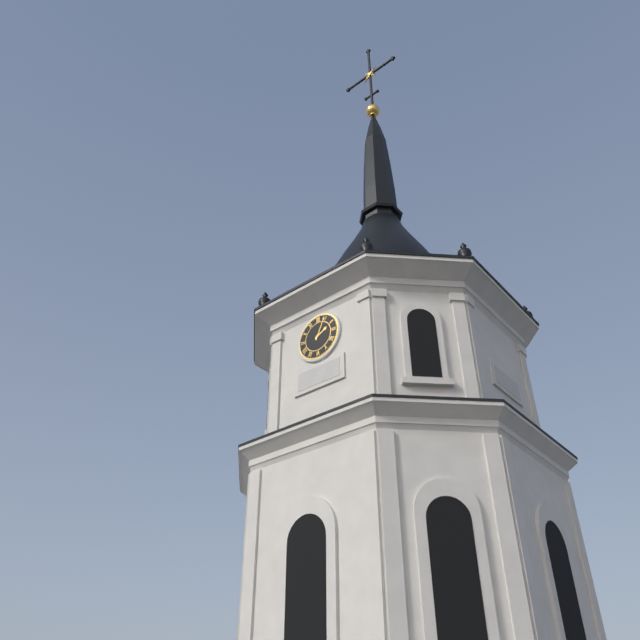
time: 2:04
